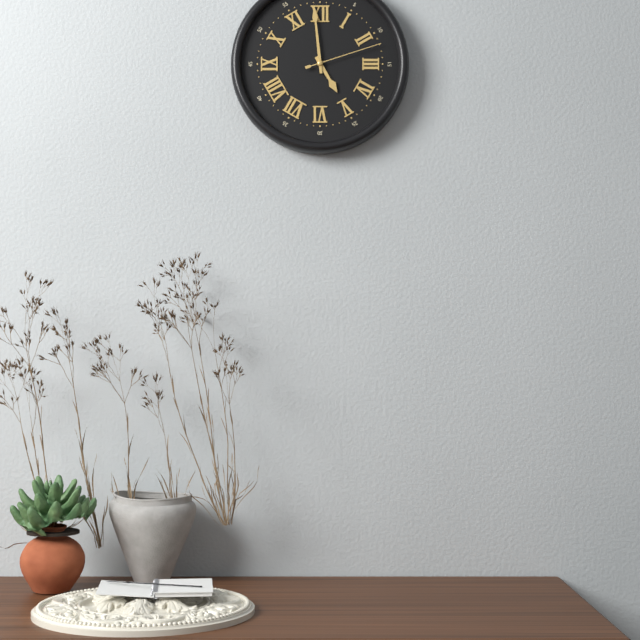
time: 4:59:12
